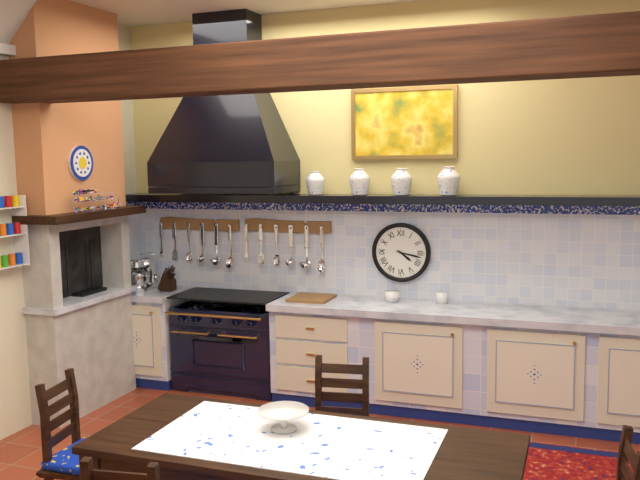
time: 4:17
